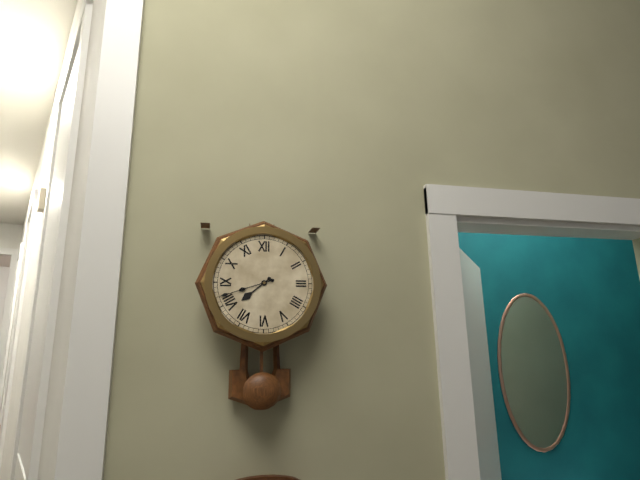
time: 7:42
